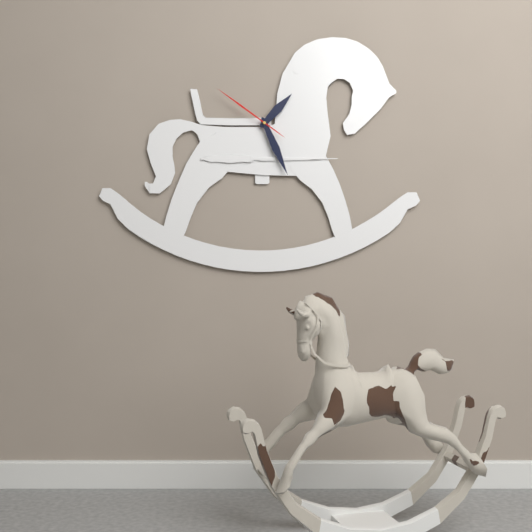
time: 1:26:51
